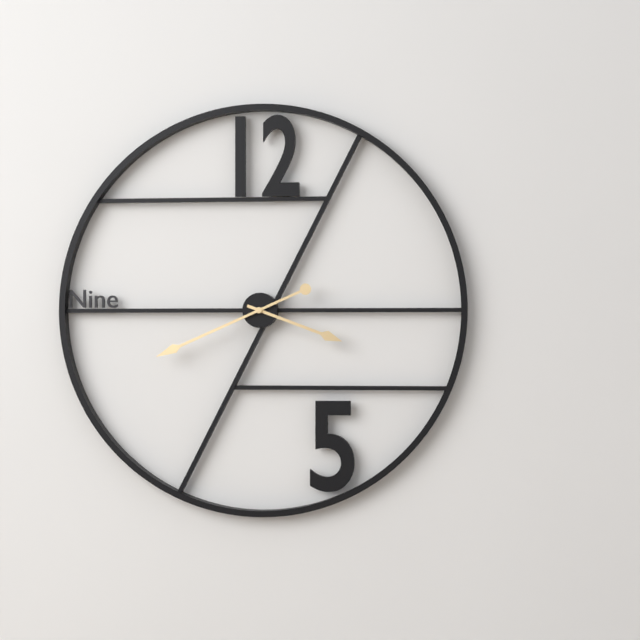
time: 3:41
